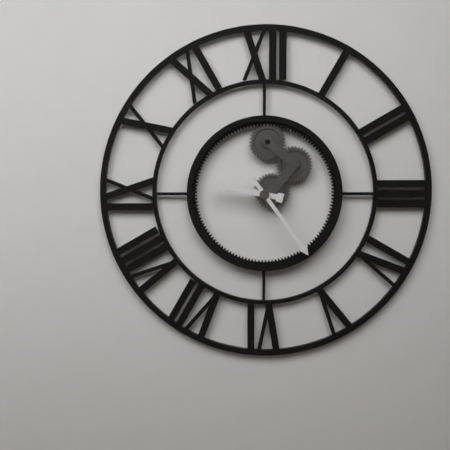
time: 9:24
